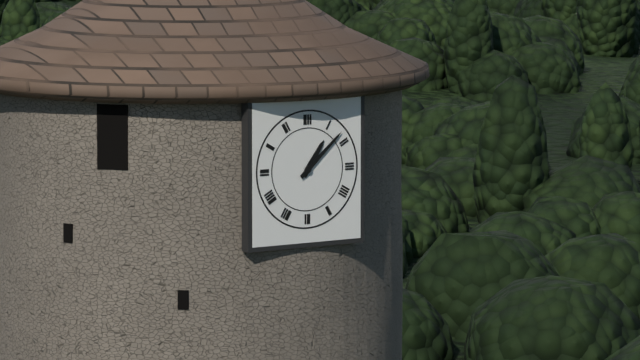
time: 1:08
